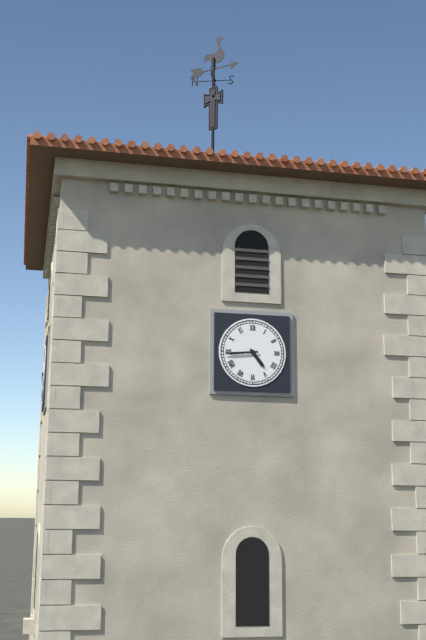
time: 4:44
